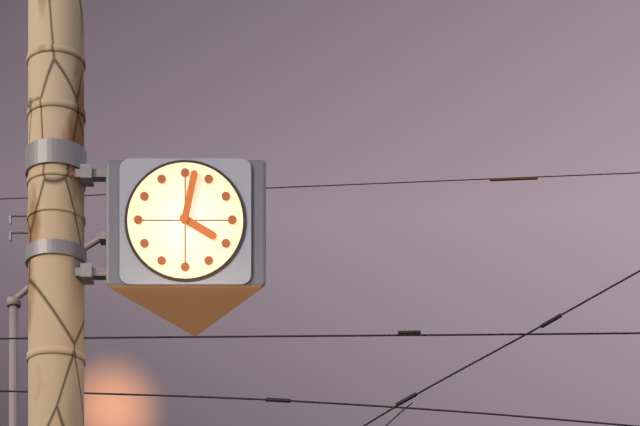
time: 4:02
